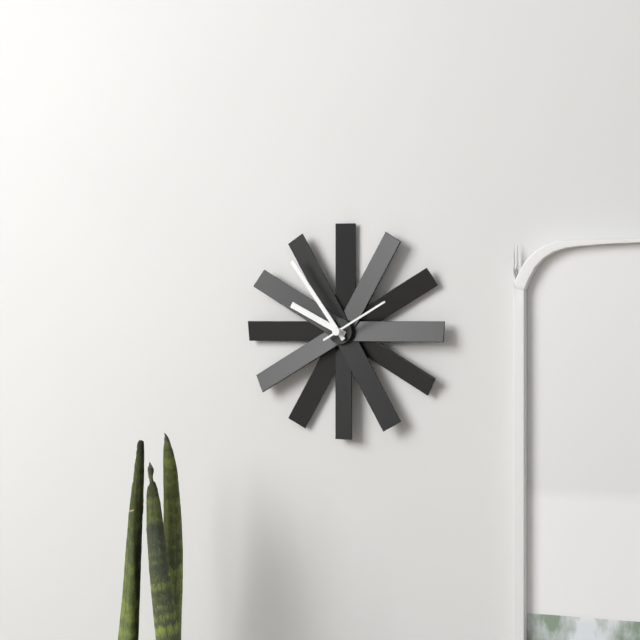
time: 9:54:10
